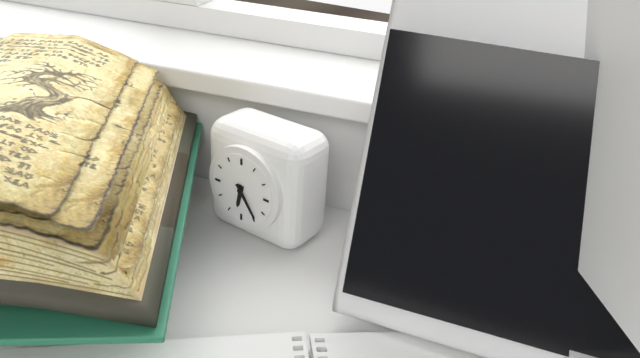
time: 6:24
